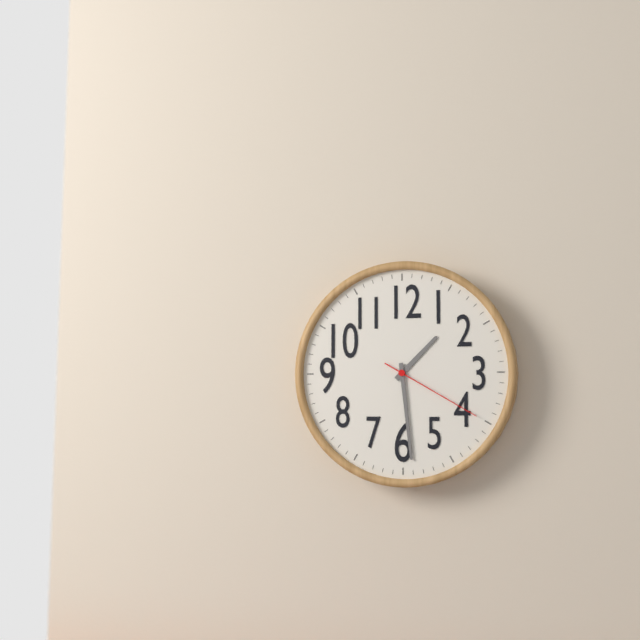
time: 1:29:20
